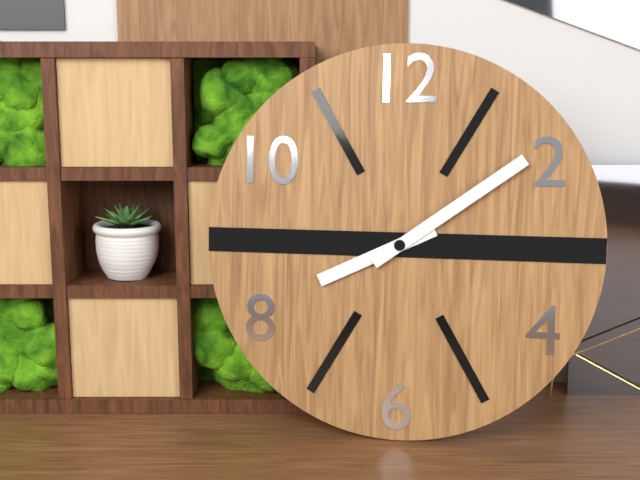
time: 8:09
